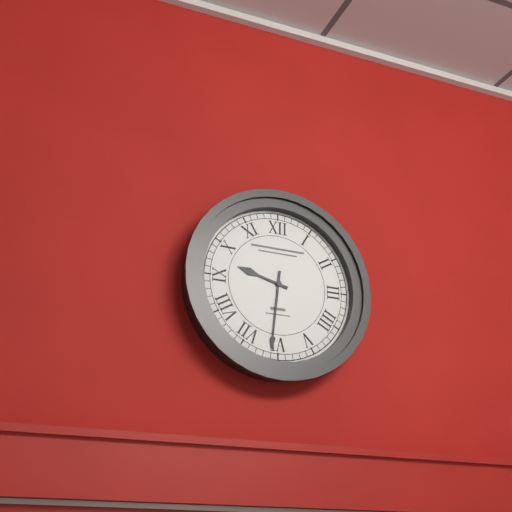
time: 9:31
